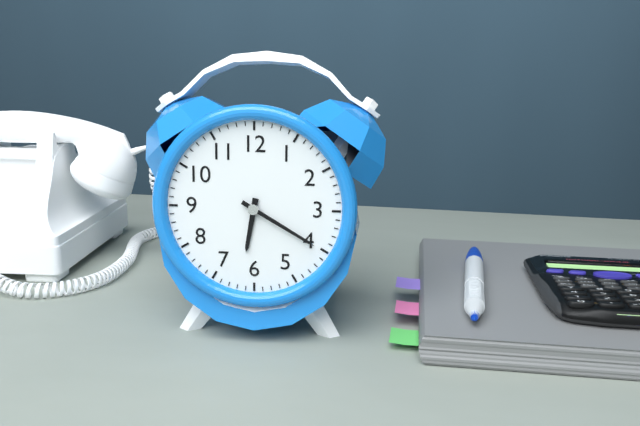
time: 6:20
